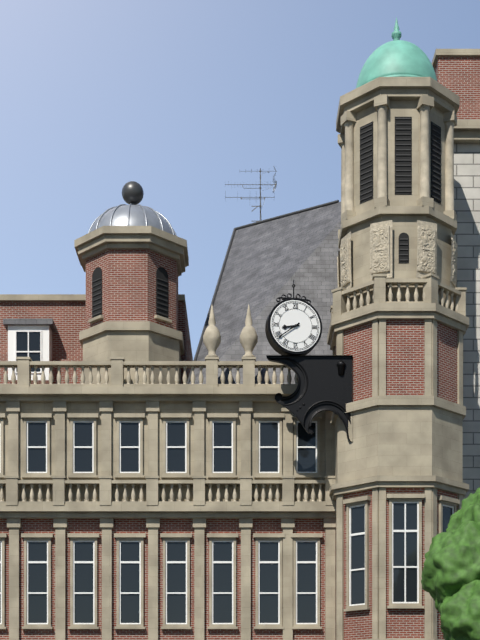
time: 8:39
